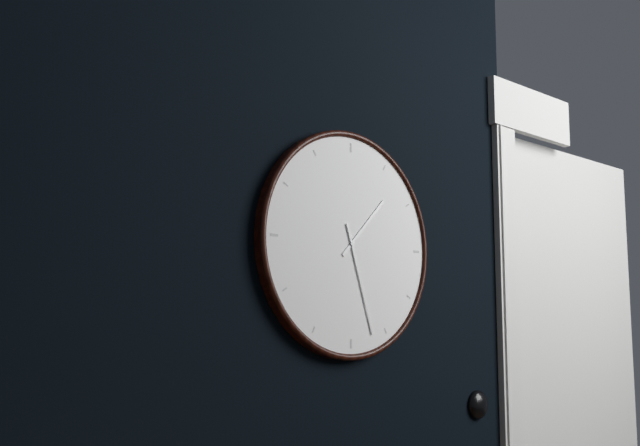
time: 1:27
